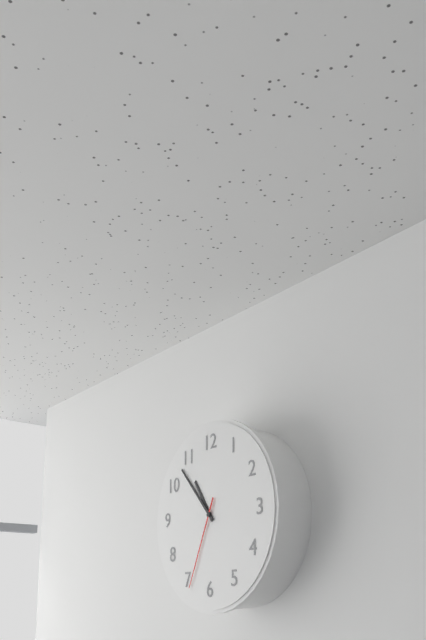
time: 10:53:34
